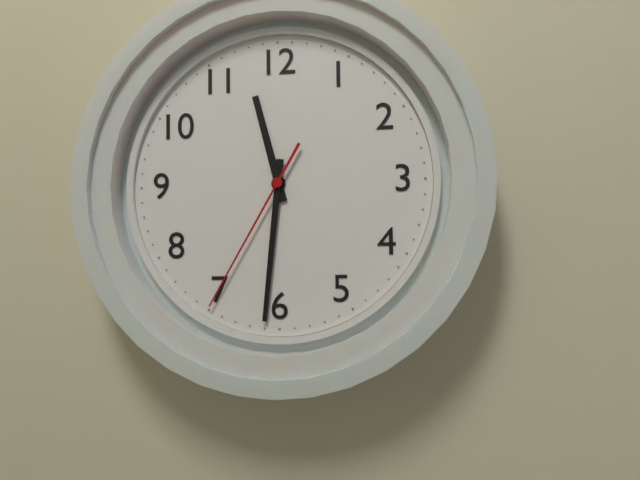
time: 11:31:35
